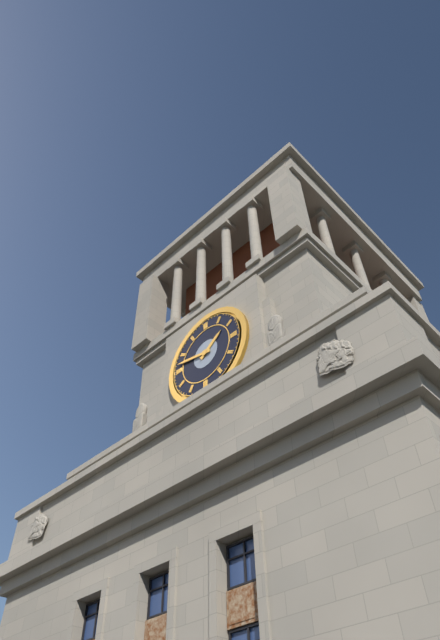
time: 1:47
